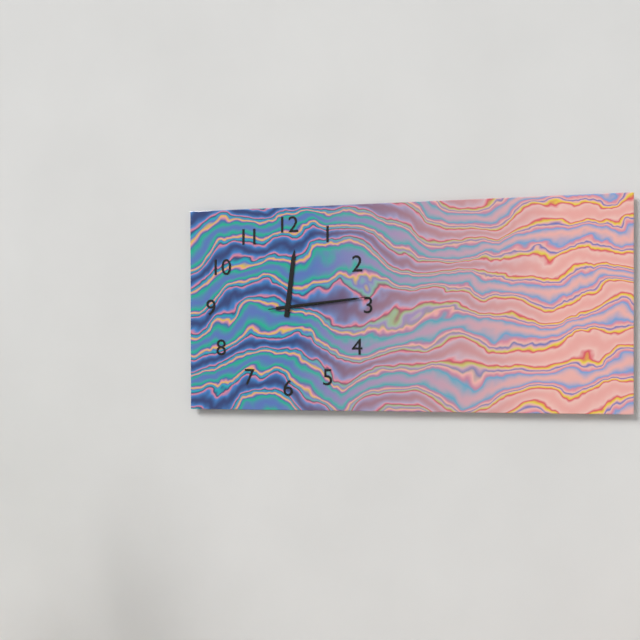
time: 12:14:14
